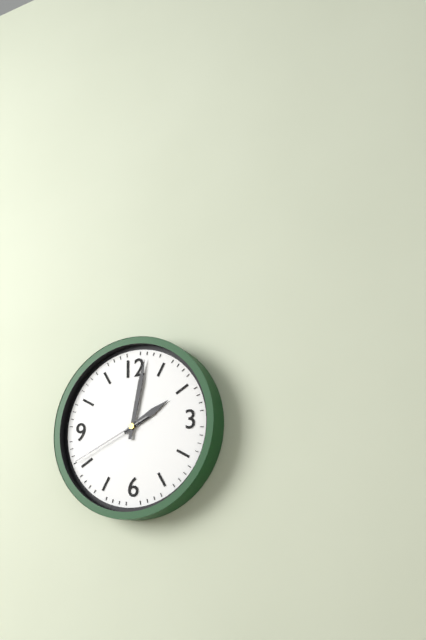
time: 2:02:41
